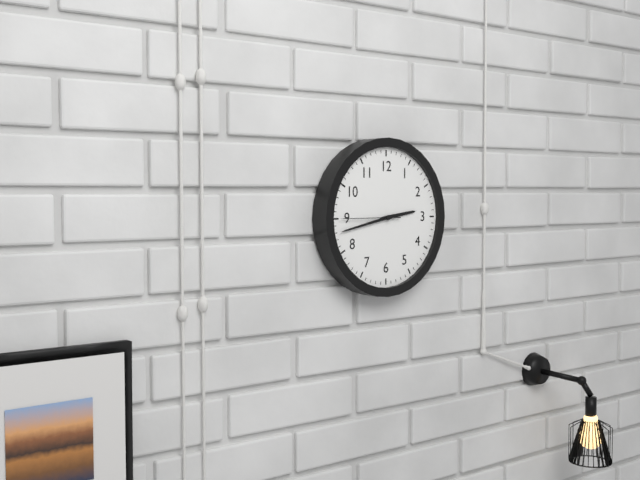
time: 2:43:45
